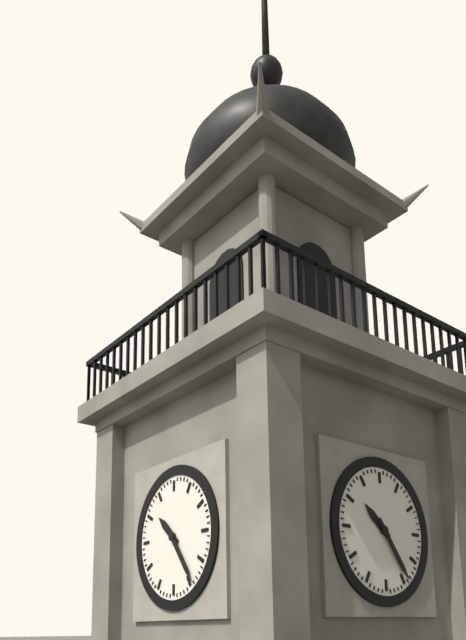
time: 10:24
